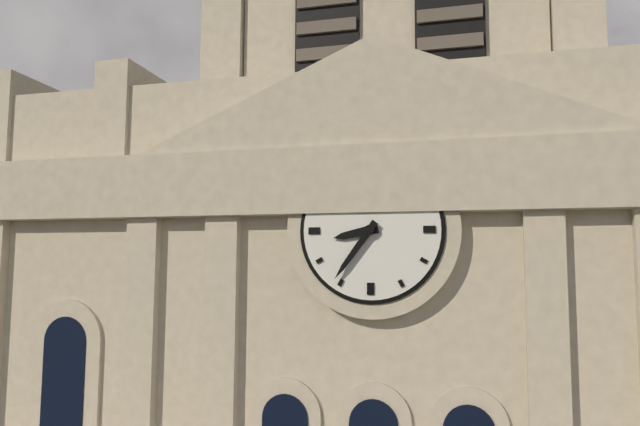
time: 8:36
